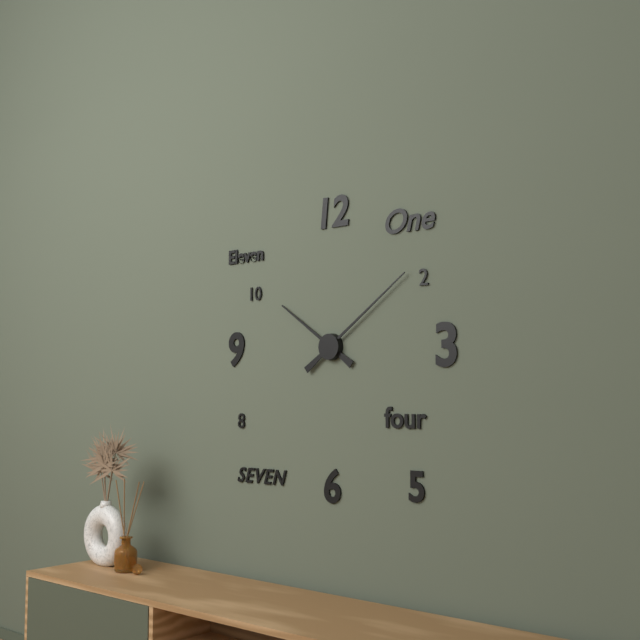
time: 10:09
